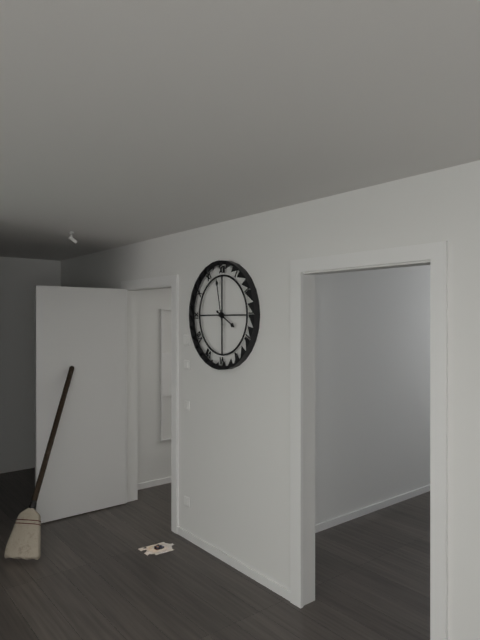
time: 3:58
